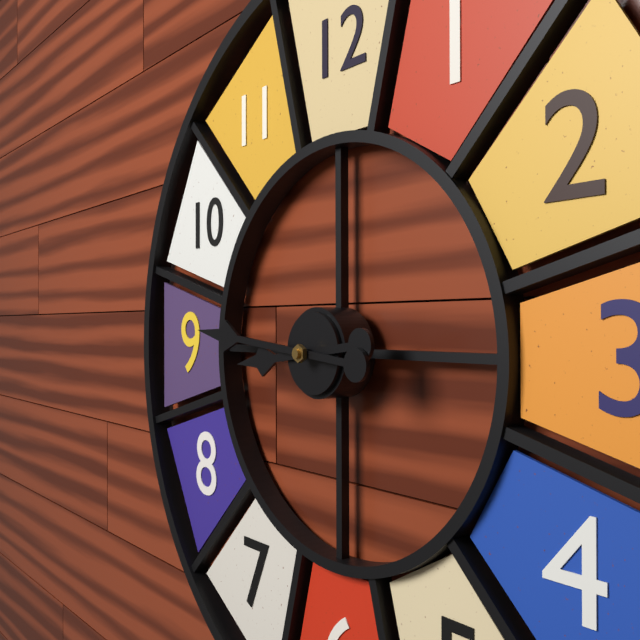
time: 8:46
